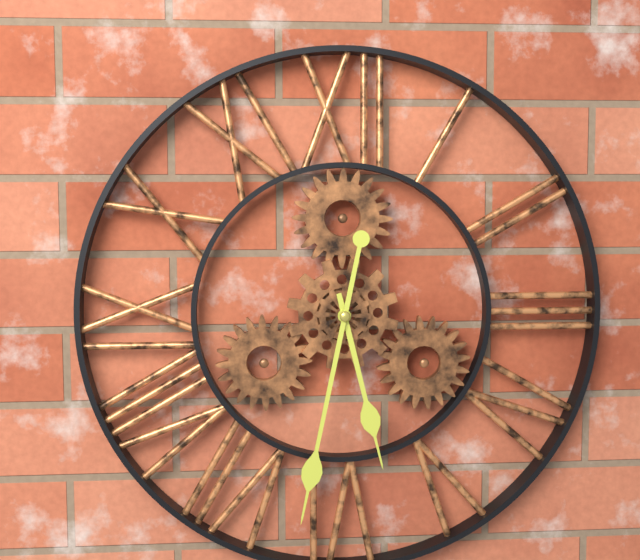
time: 5:32
